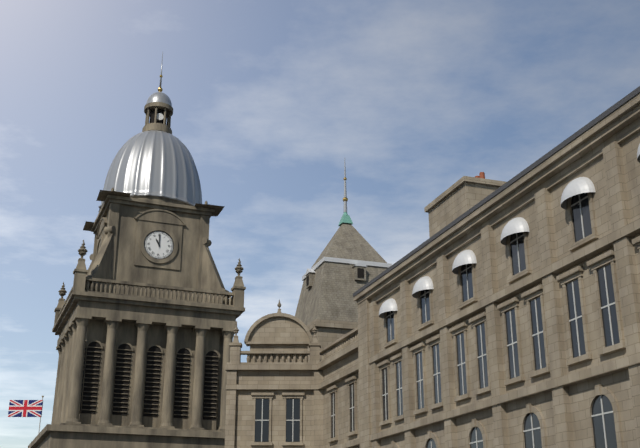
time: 11:00
